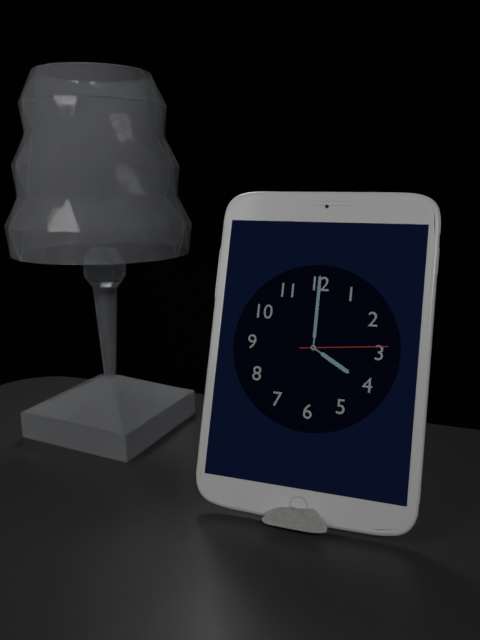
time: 4:00:14
